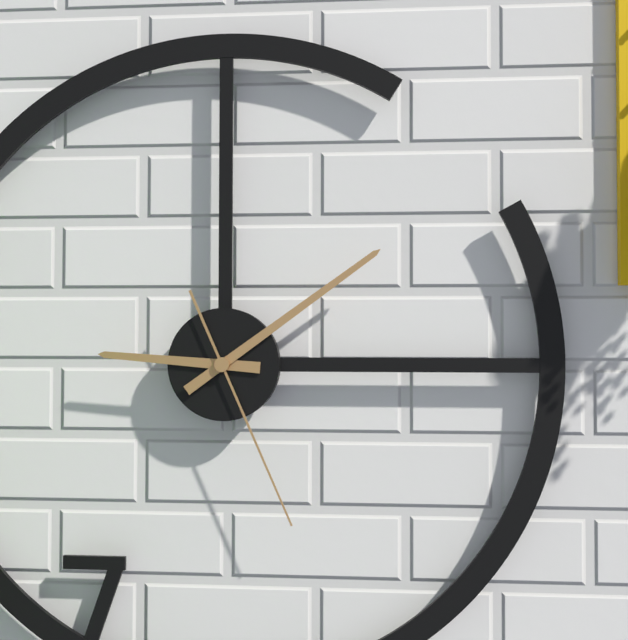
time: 9:09:26
